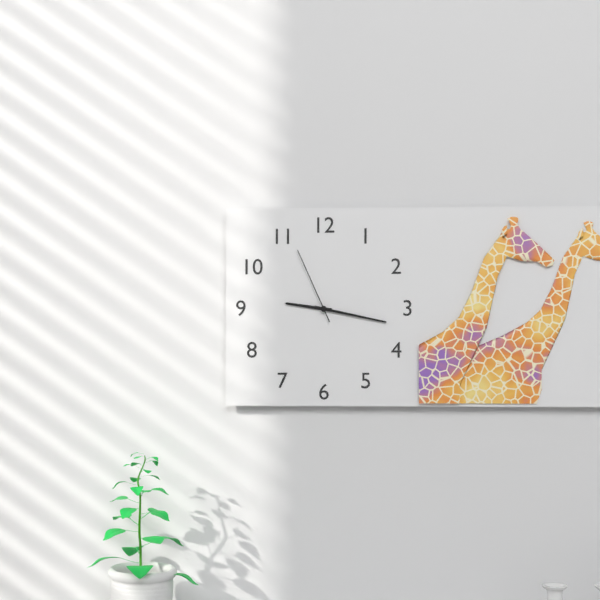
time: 9:17:56
